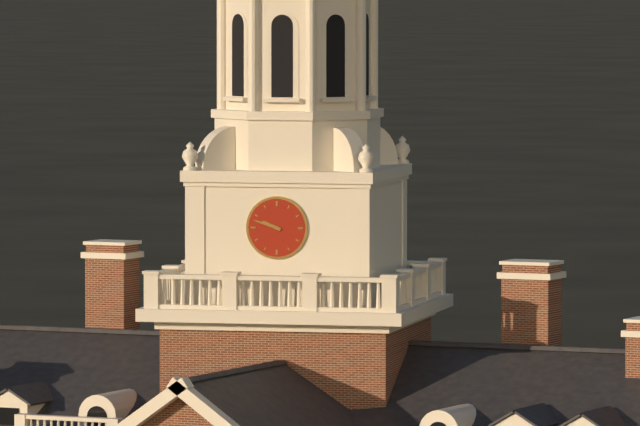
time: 9:48
